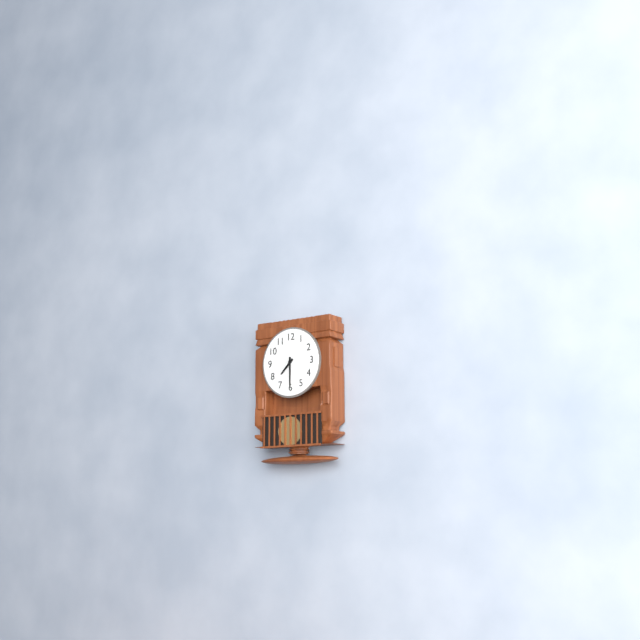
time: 7:30
